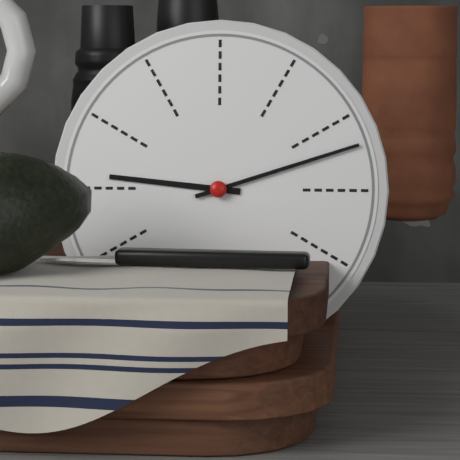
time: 9:12
